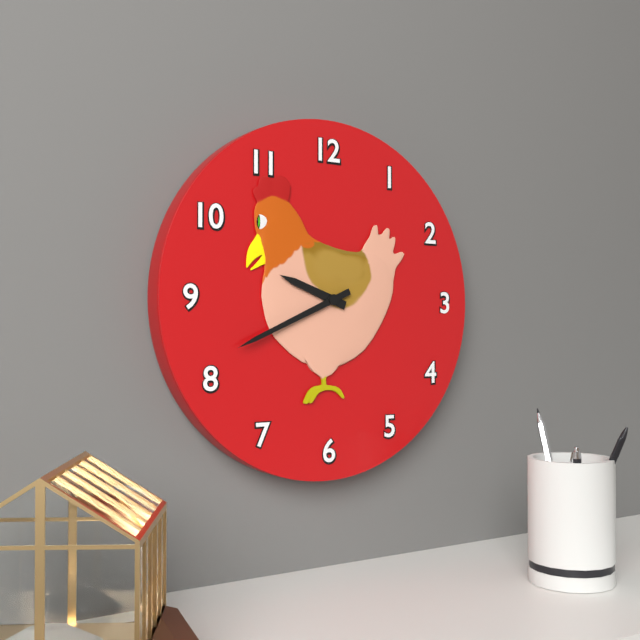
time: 9:41
